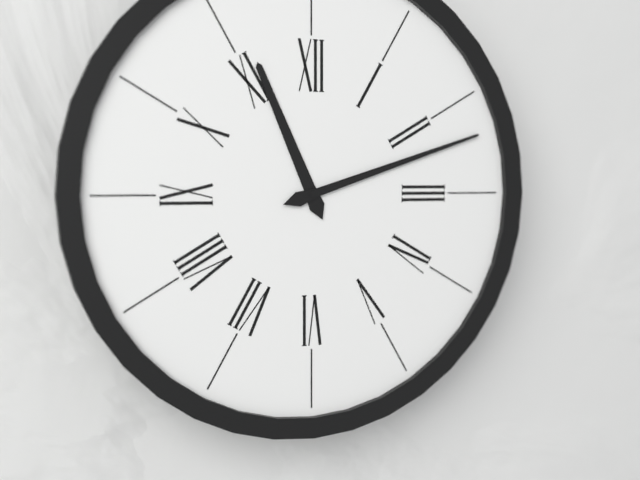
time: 11:12
